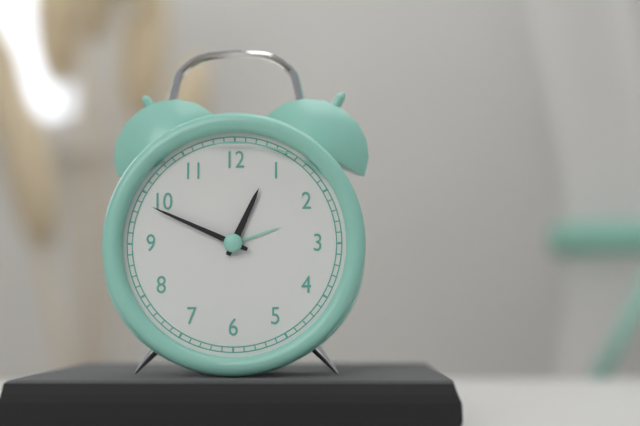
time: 12:49
